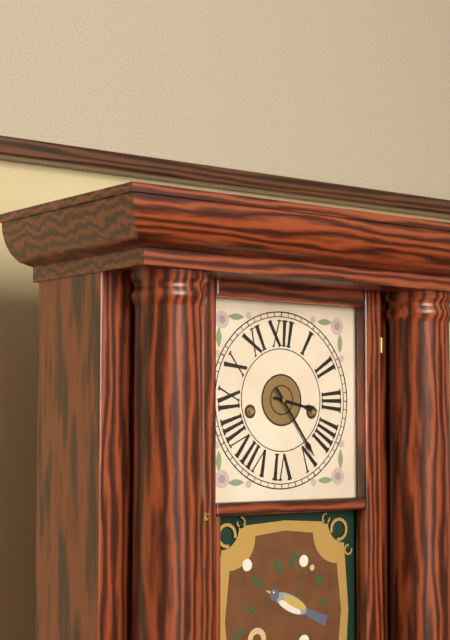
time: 3:24
